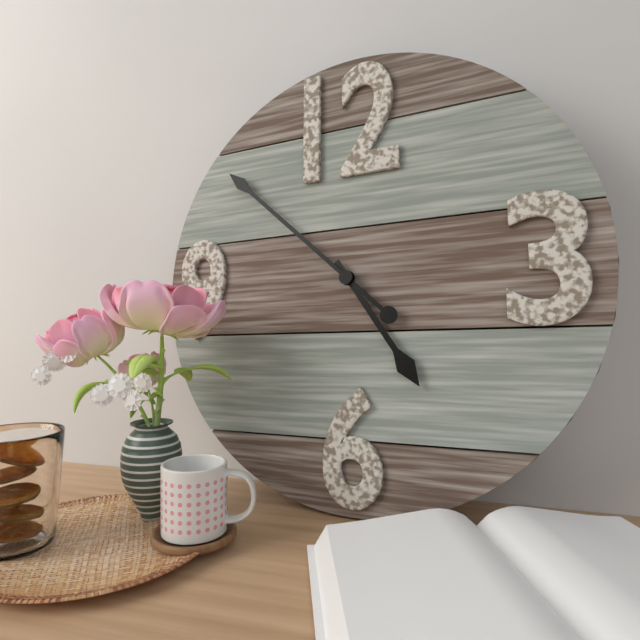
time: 4:52
